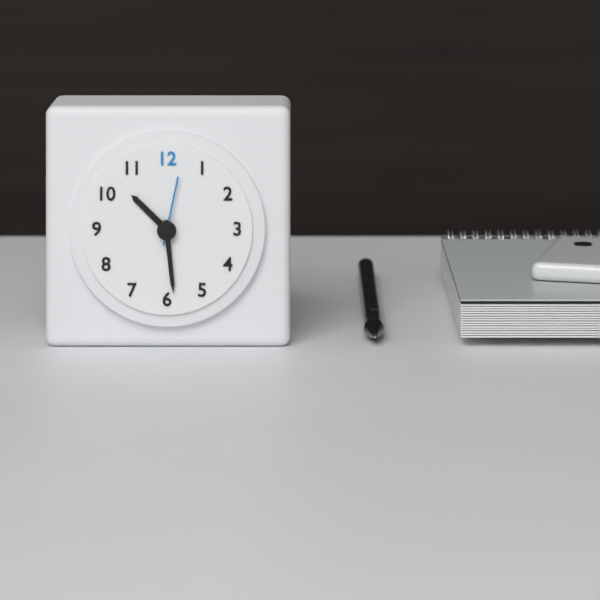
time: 10:29:02
